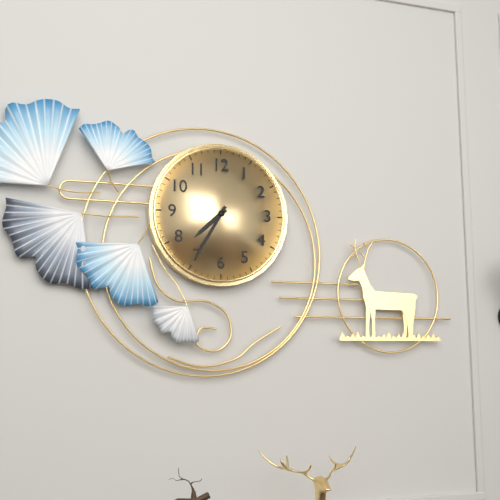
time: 7:35
